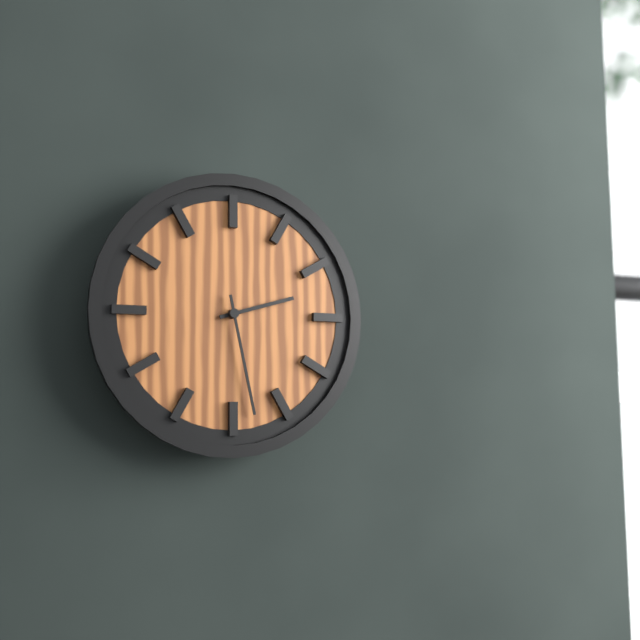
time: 2:28
